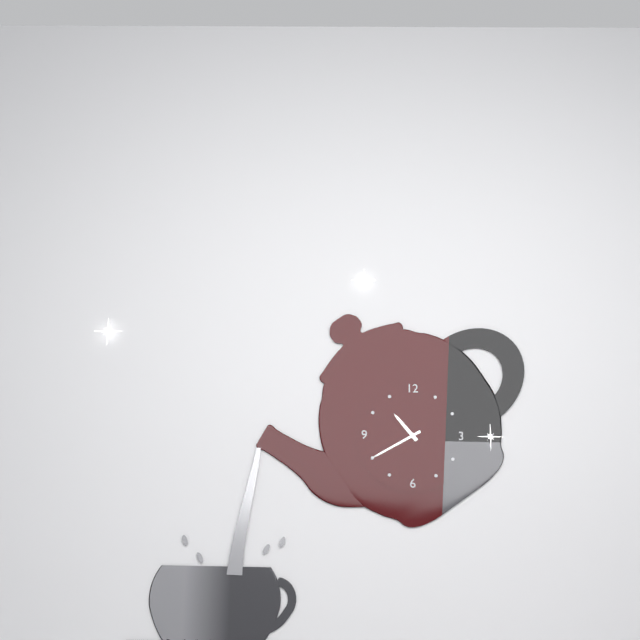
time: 10:40
